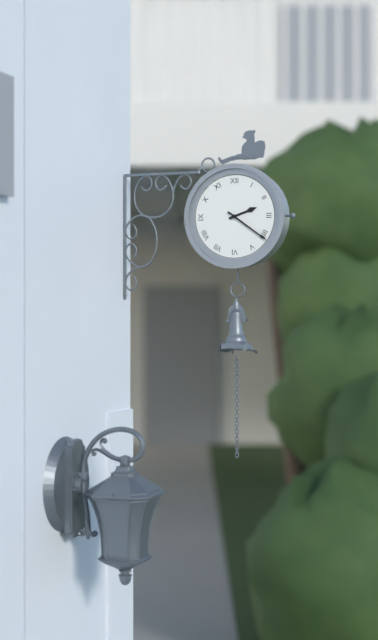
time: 2:21
